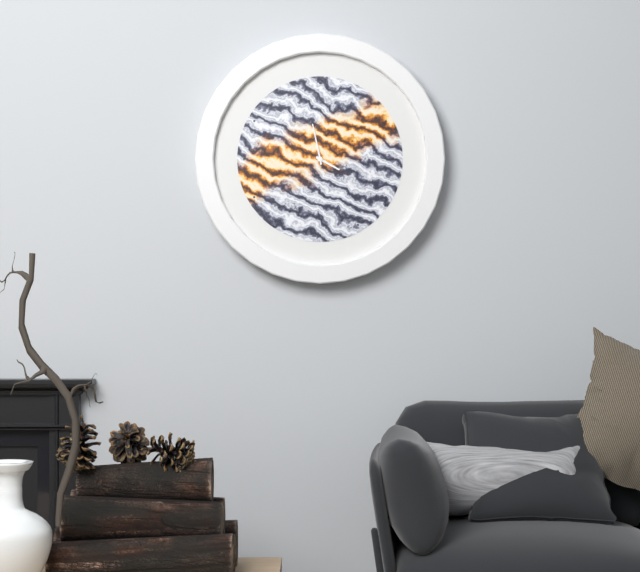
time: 3:58
